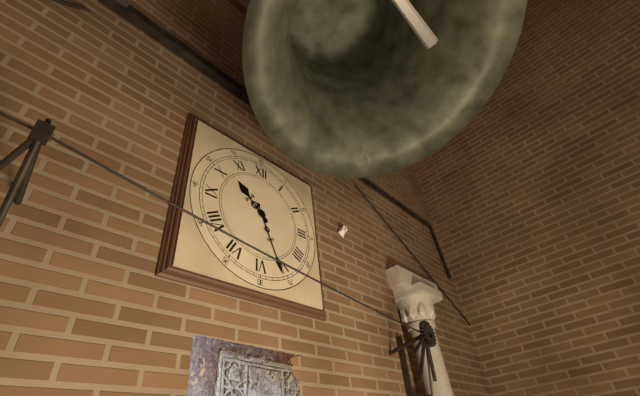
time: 10:26
